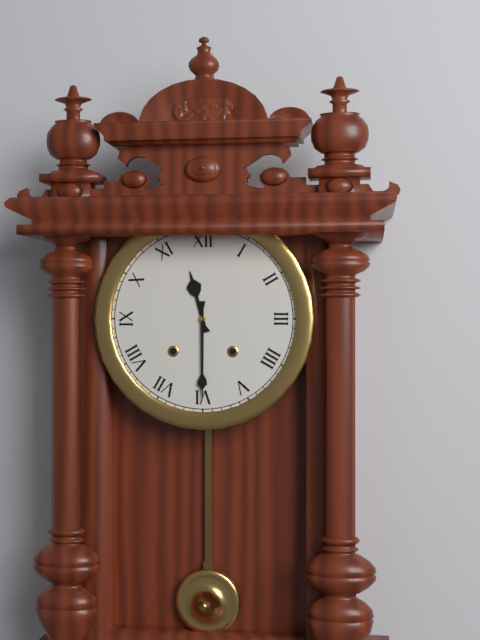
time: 11:30
